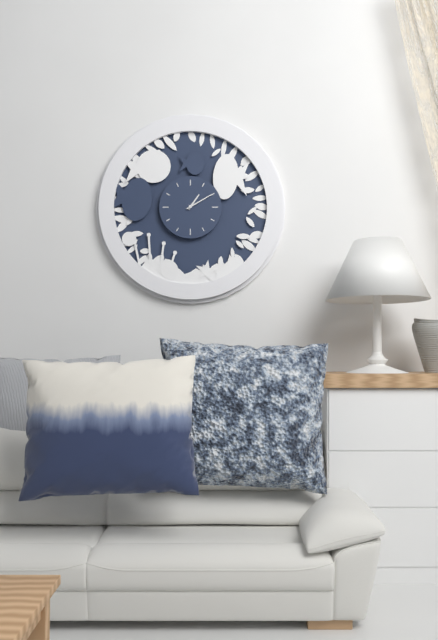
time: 1:10
